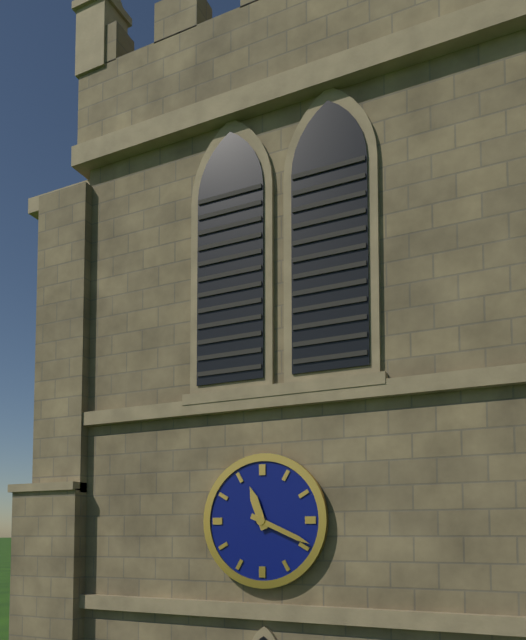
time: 11:19
